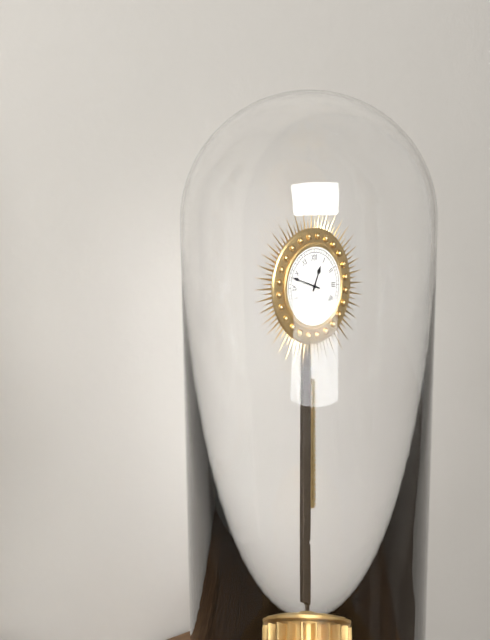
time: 12:48
